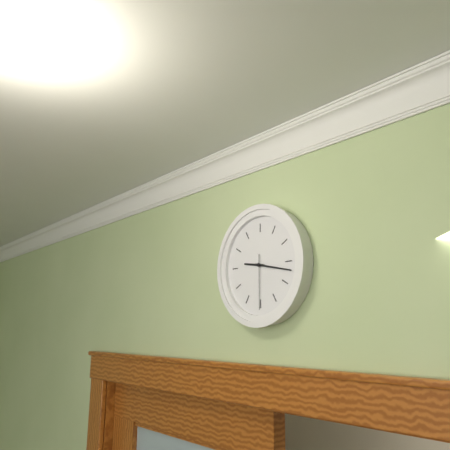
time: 9:17:30
